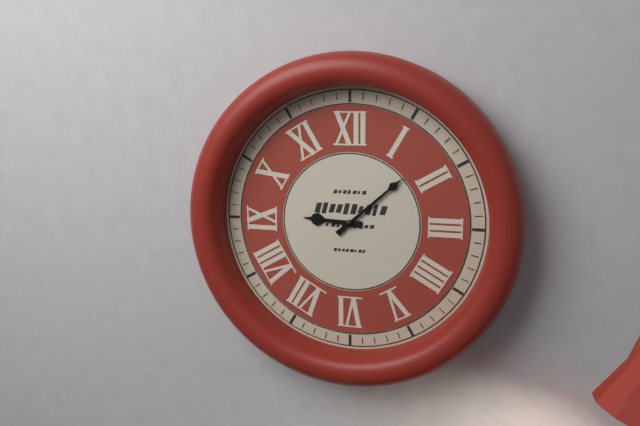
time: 9:08
